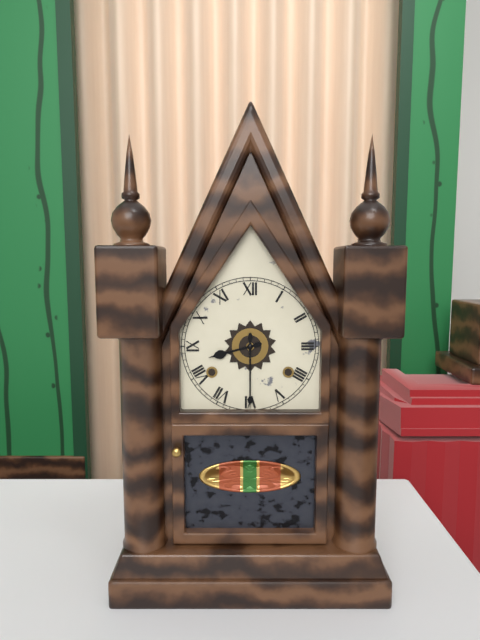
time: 8:30
